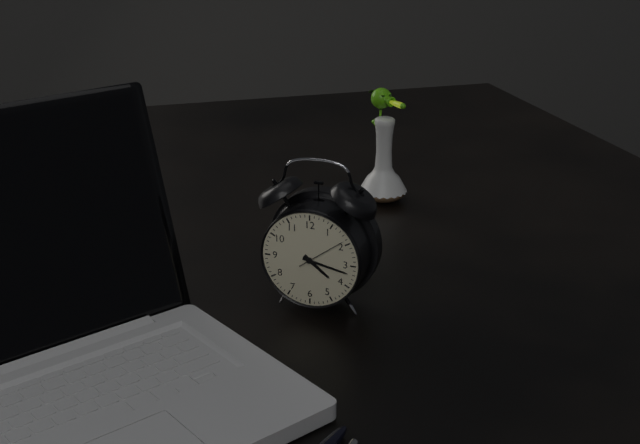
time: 4:17
